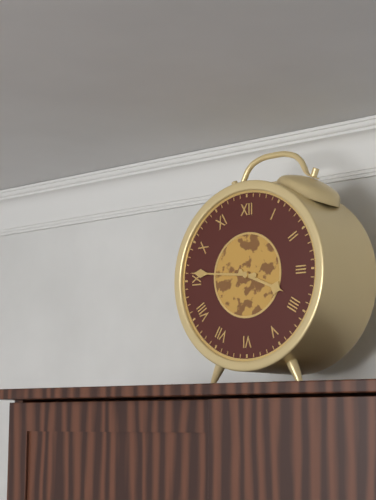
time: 3:46
